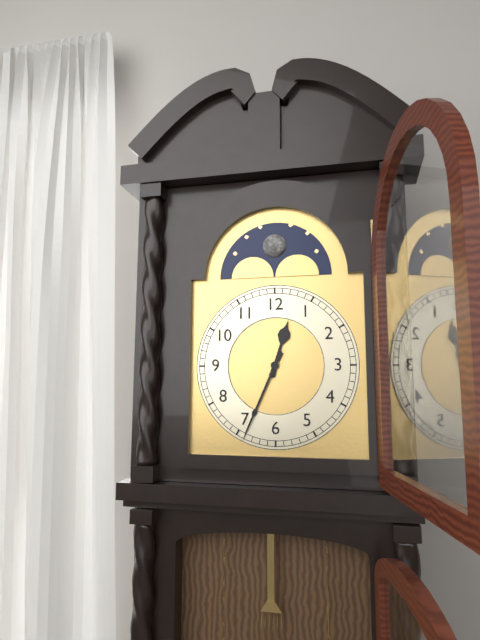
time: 12:34
